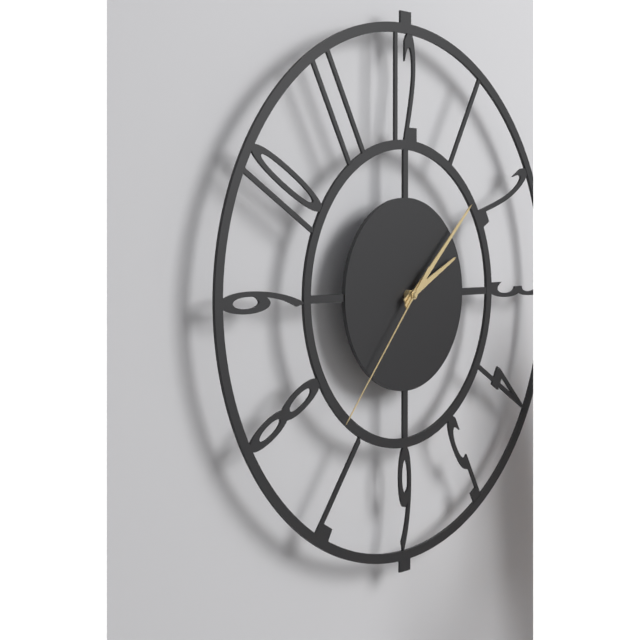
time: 2:08:37
